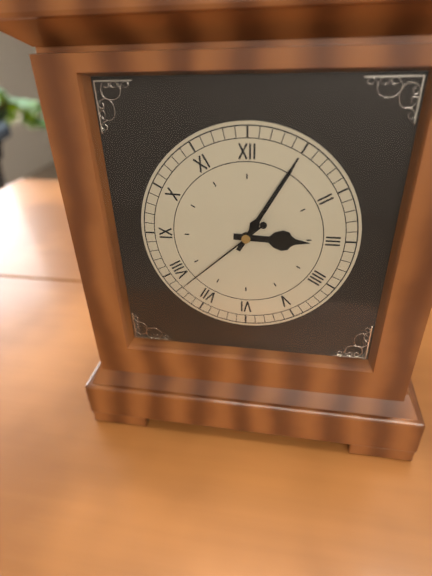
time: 3:05:38
